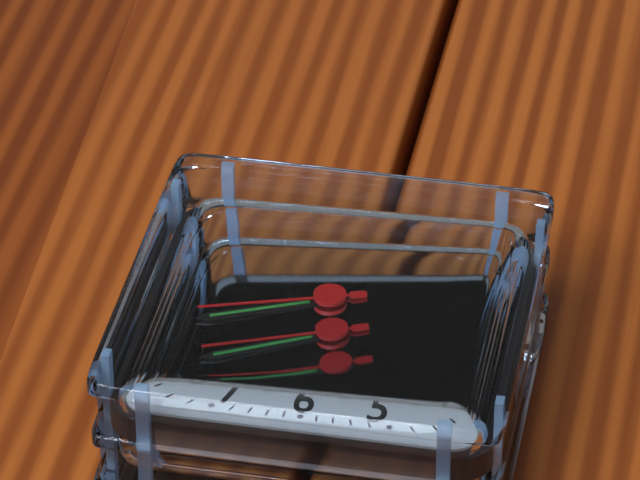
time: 3:41:42
